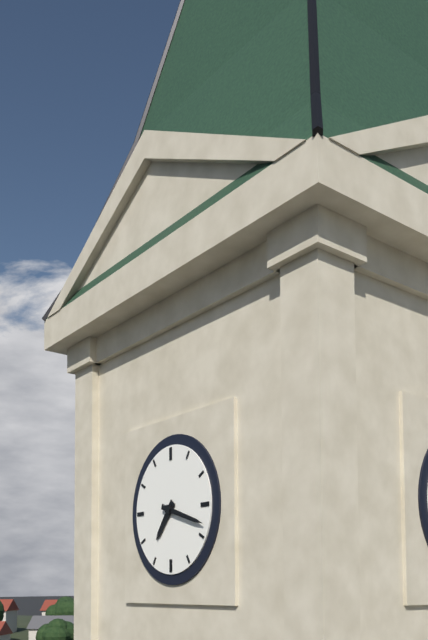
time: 7:18
